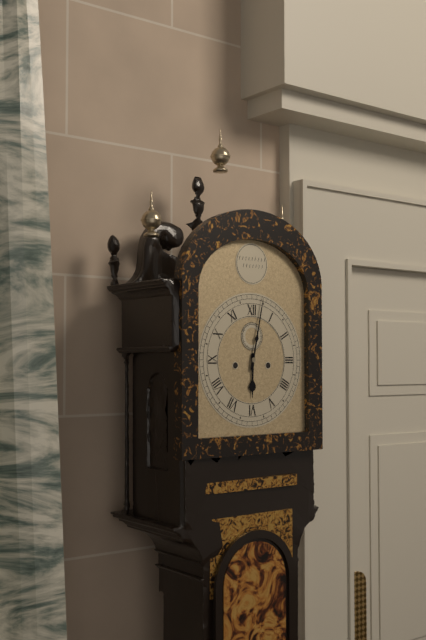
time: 6:02
